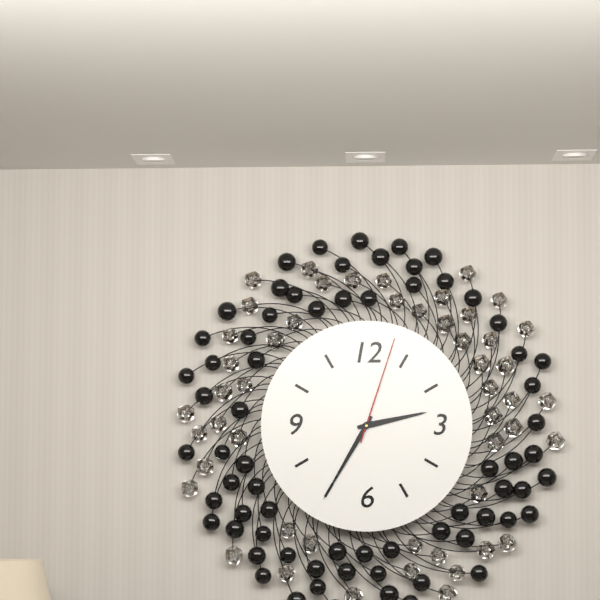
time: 2:35:03
